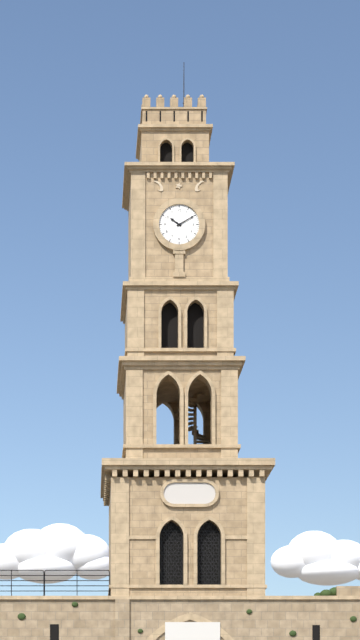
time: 10:10
